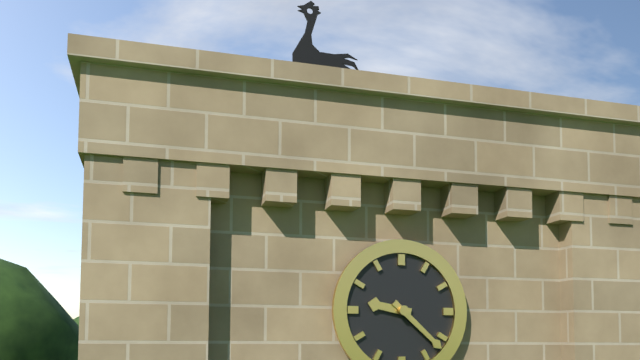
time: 9:22
